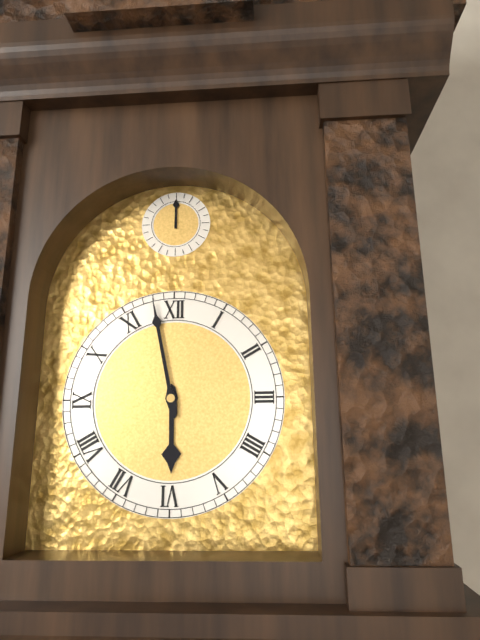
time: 5:58
